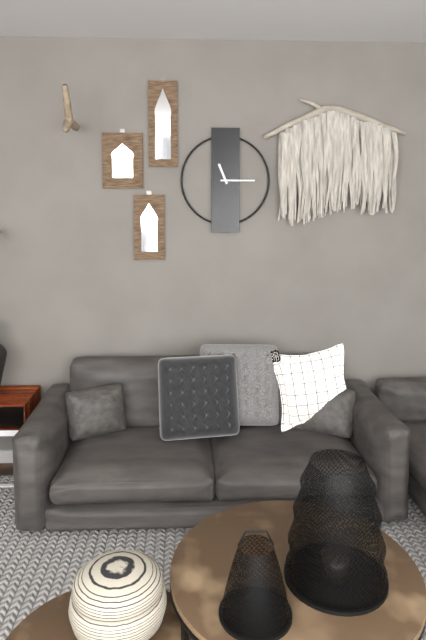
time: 11:15
